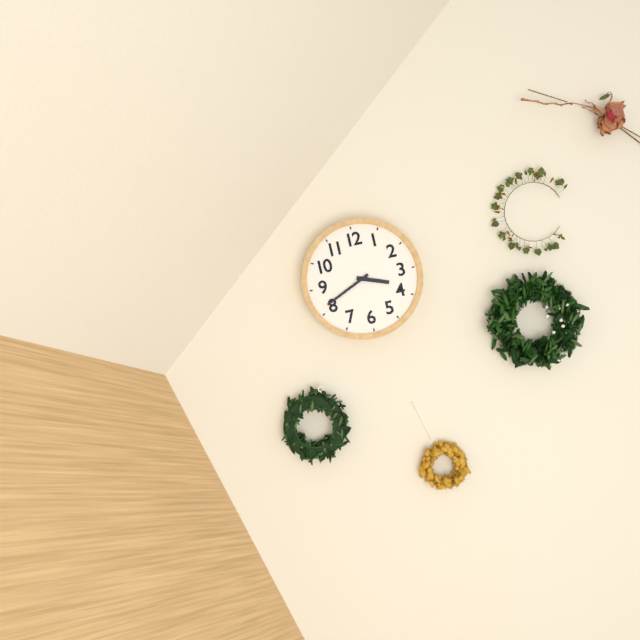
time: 3:41
